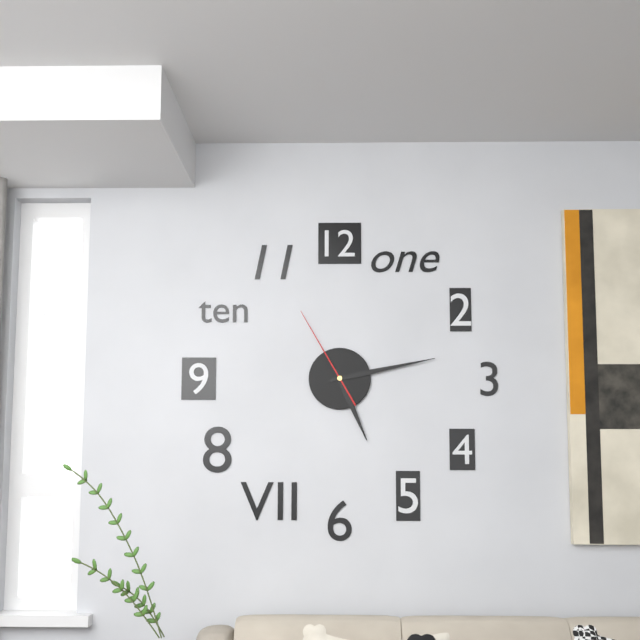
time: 5:13:55
